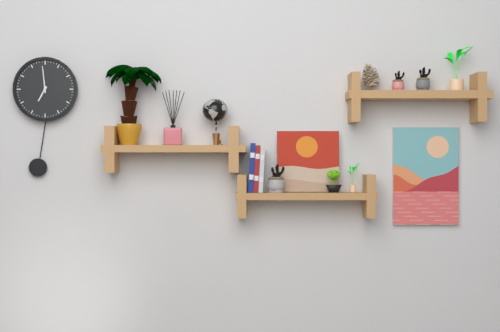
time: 6:59
